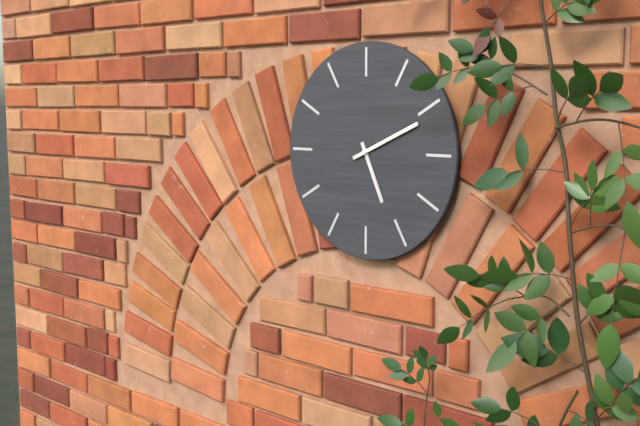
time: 5:11
